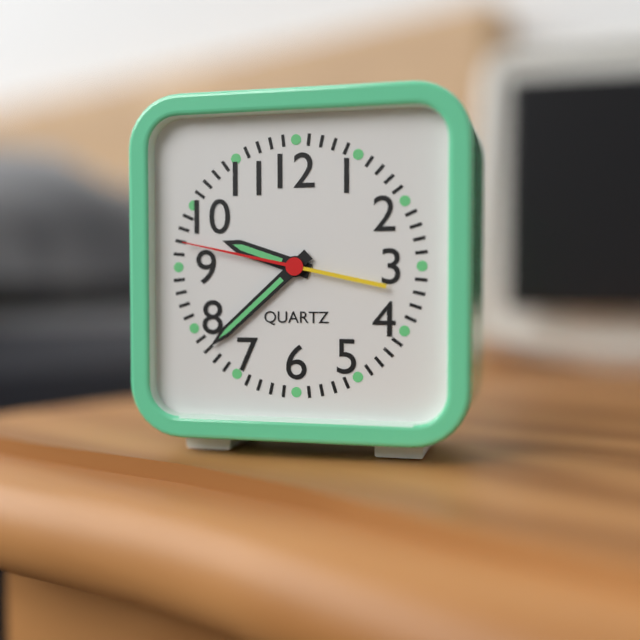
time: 9:38:47
